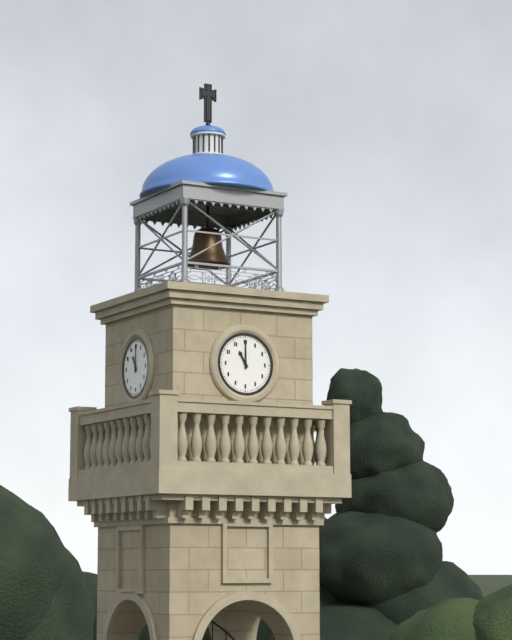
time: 11:00
